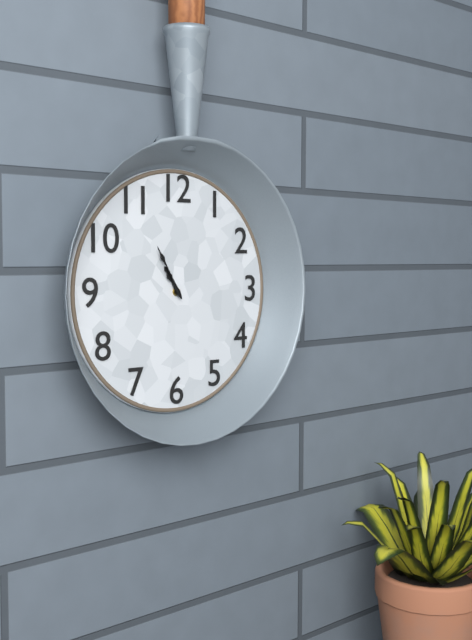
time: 10:55
